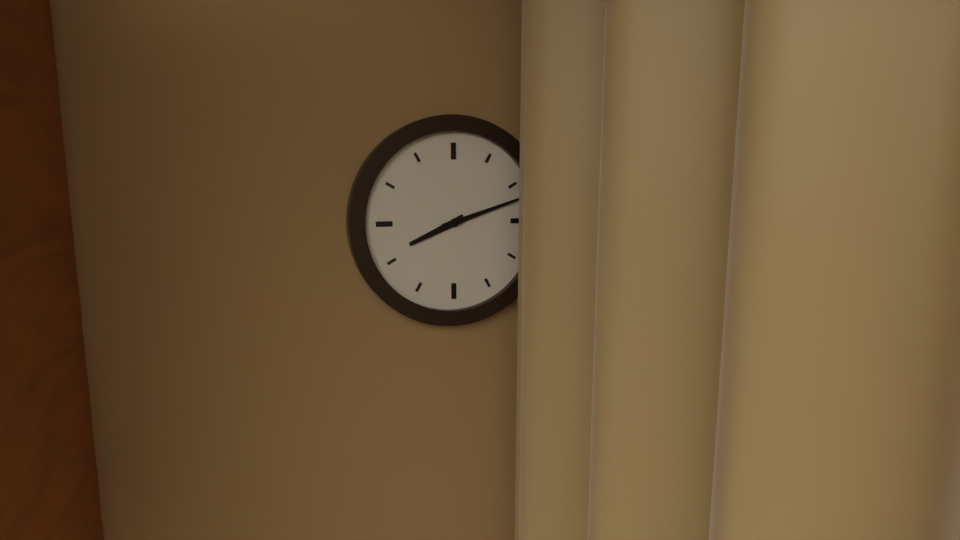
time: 8:12
